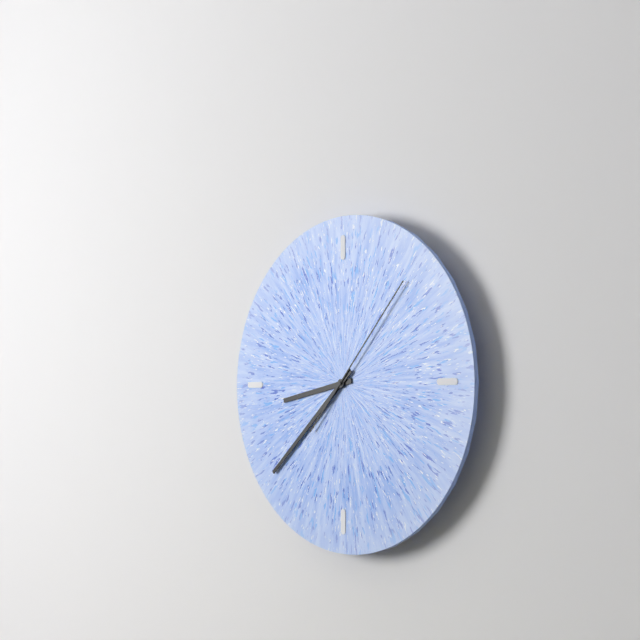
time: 8:38:07
